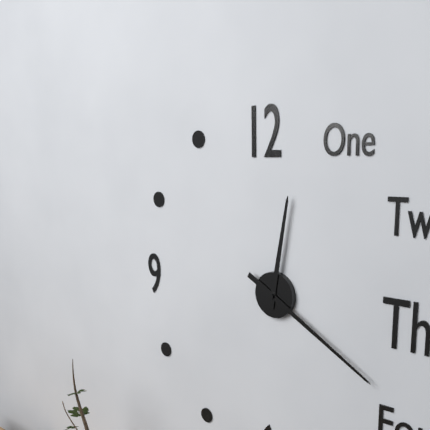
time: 12:20
